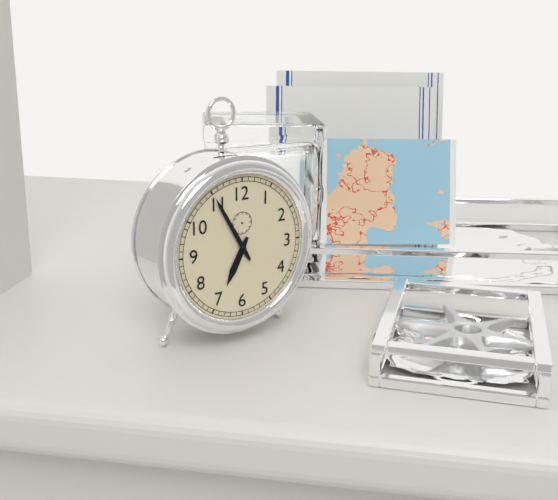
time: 6:55
